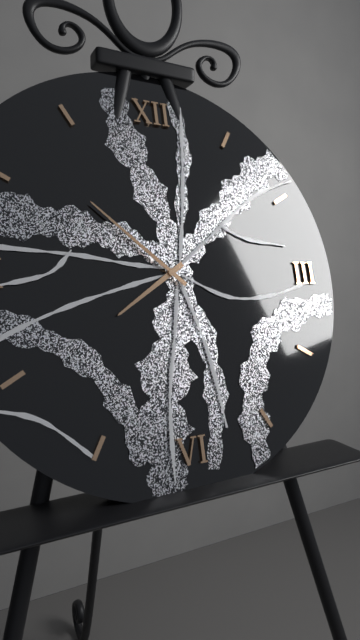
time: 7:52
